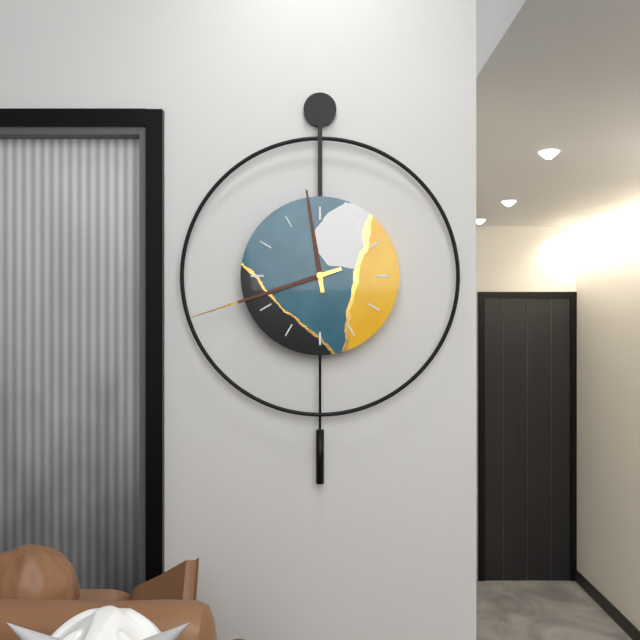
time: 11:42
